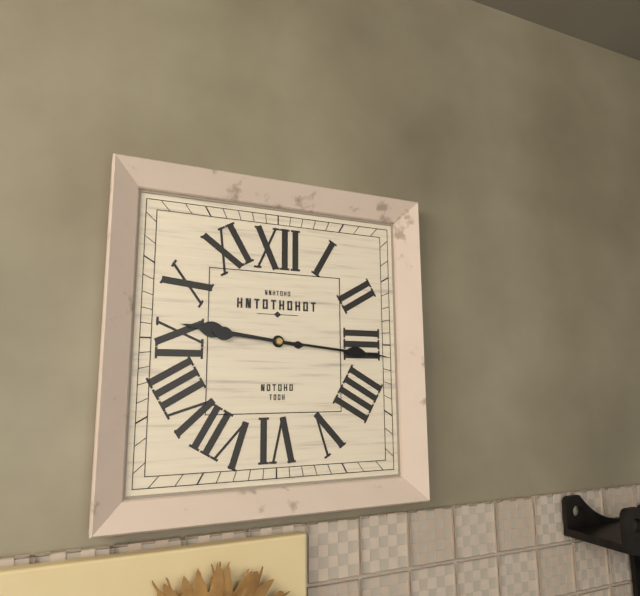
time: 9:16
